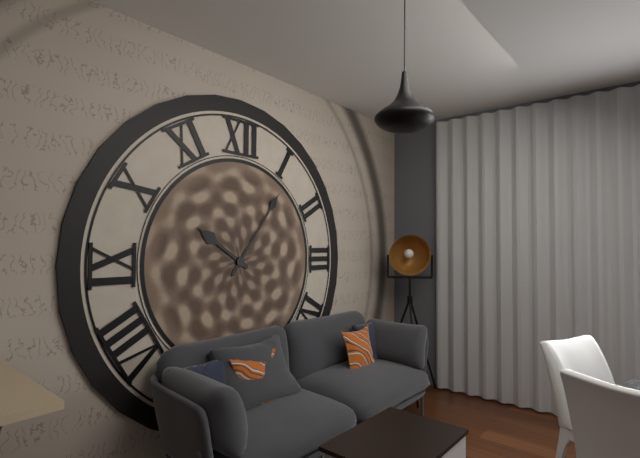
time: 10:06
